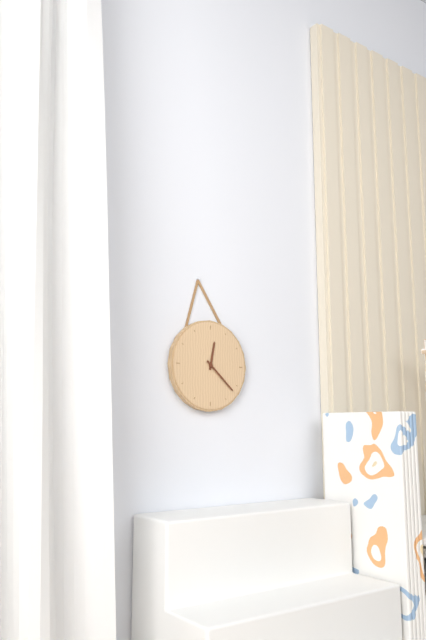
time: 12:22
